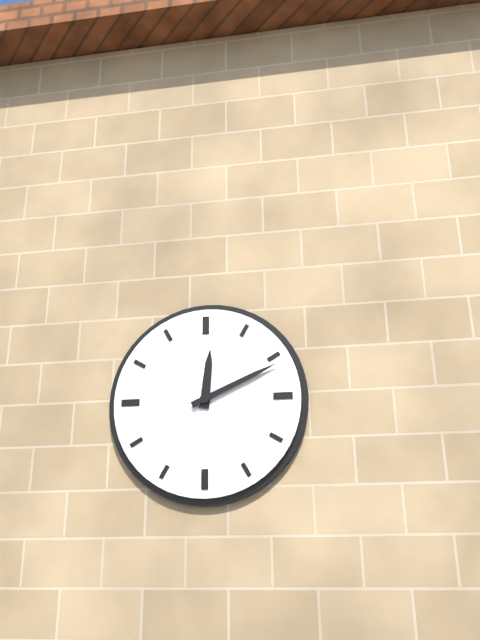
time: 12:11
